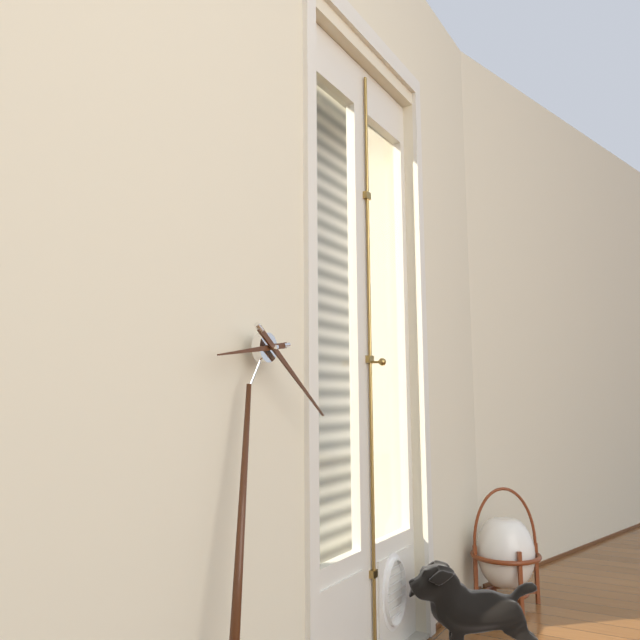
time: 8:19
